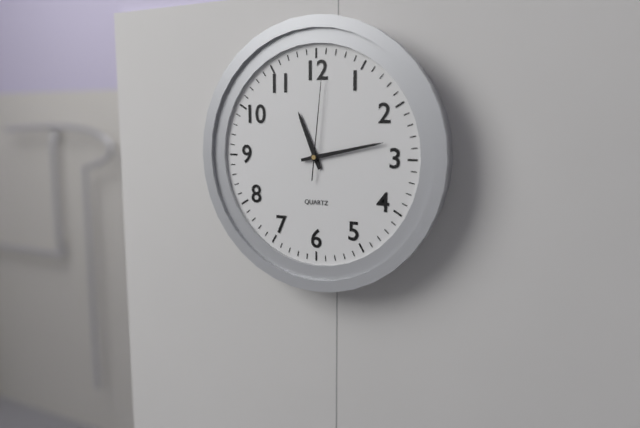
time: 11:13:01
